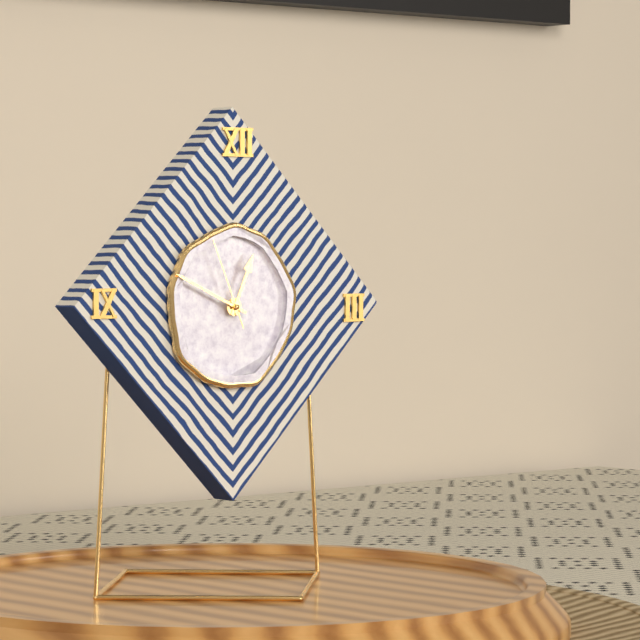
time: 12:49:56
